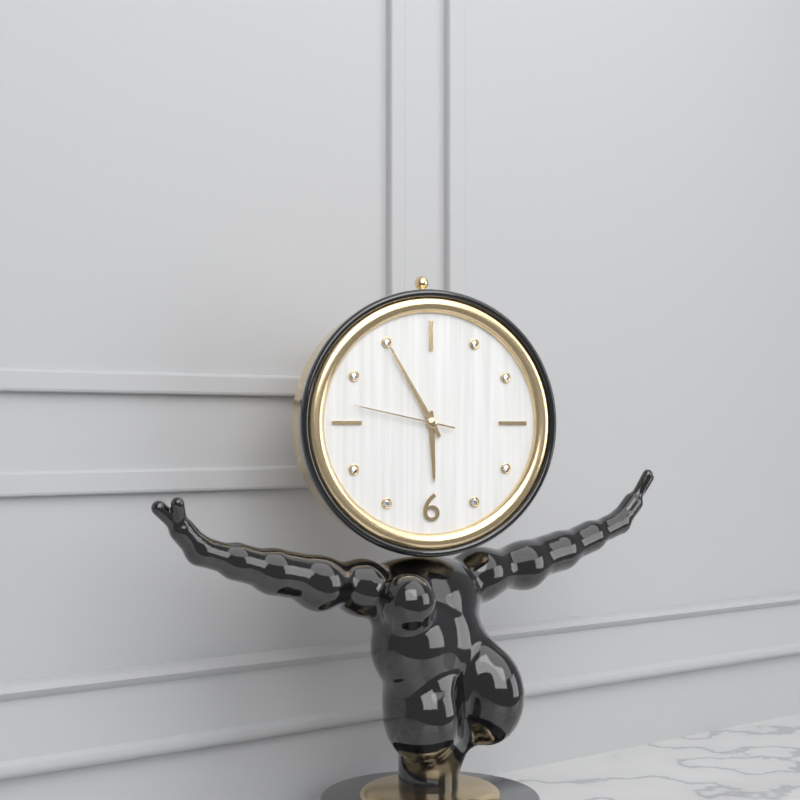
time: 5:55:47
